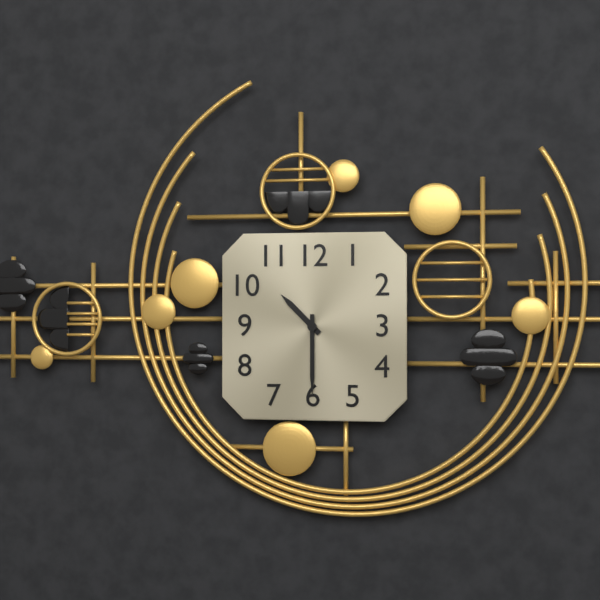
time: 10:30
